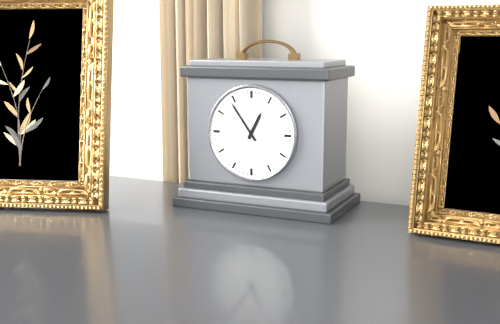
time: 12:54
